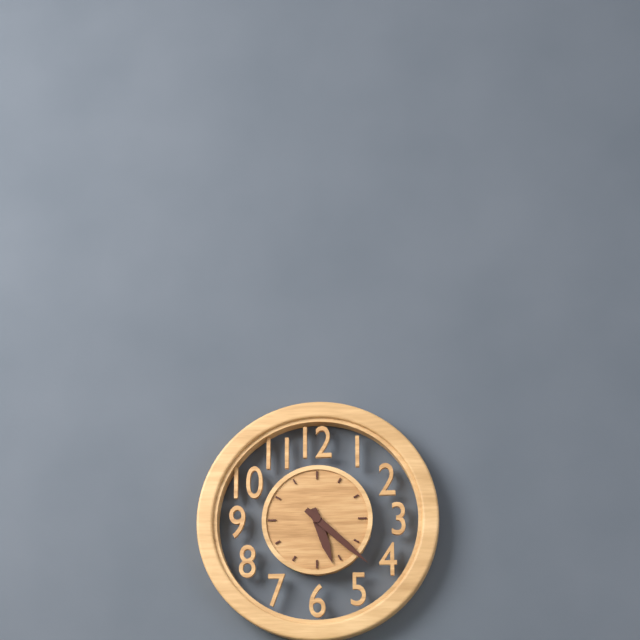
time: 5:22
